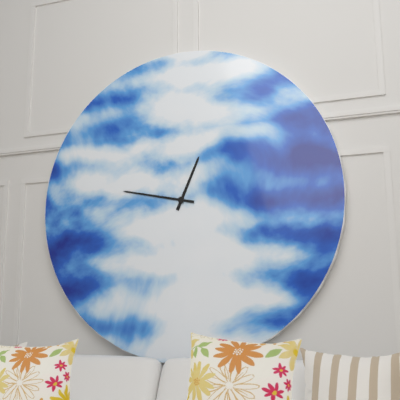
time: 12:47
